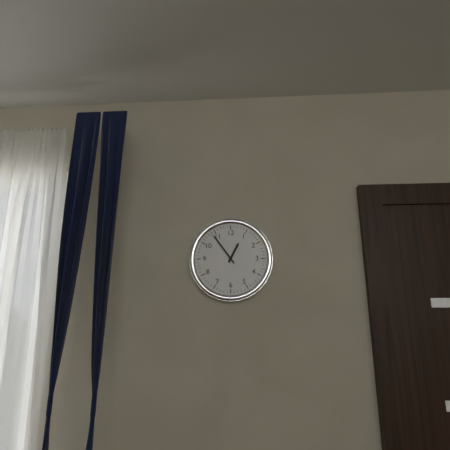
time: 12:54
